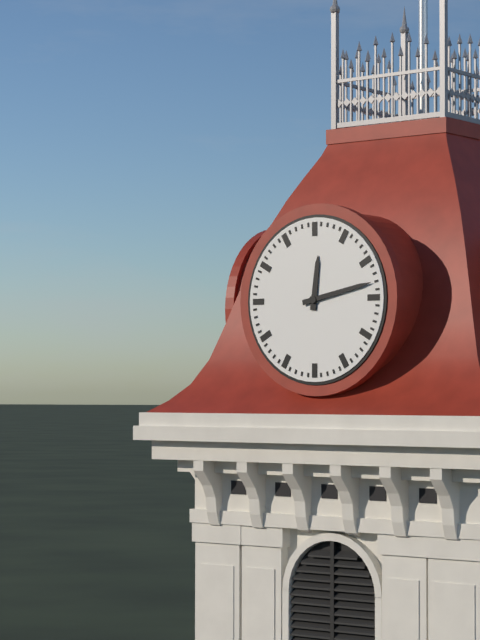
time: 12:13
